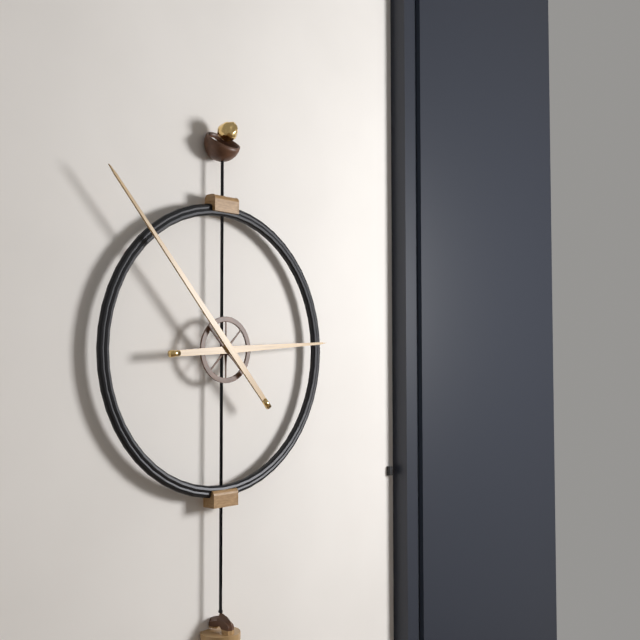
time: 2:53
